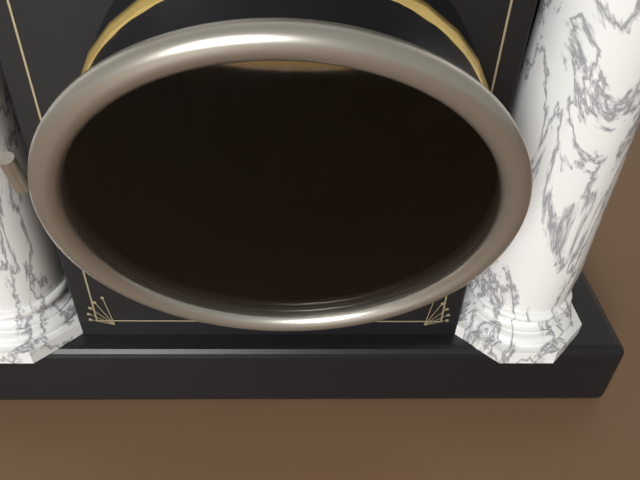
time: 3:38
